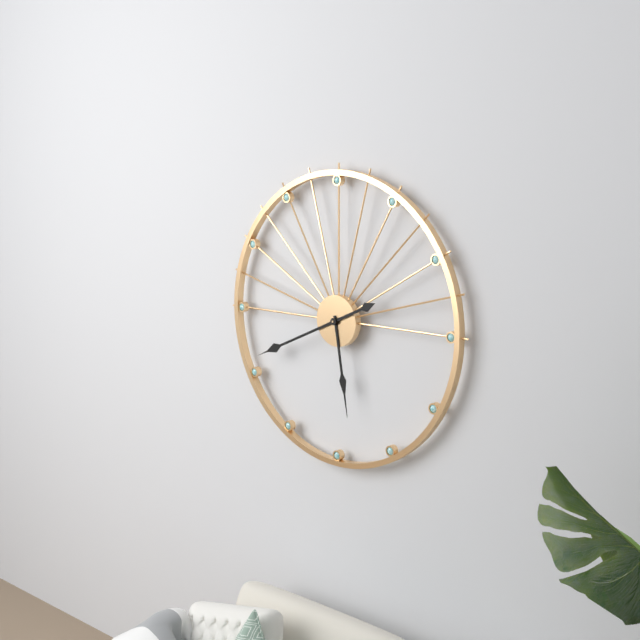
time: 5:41
